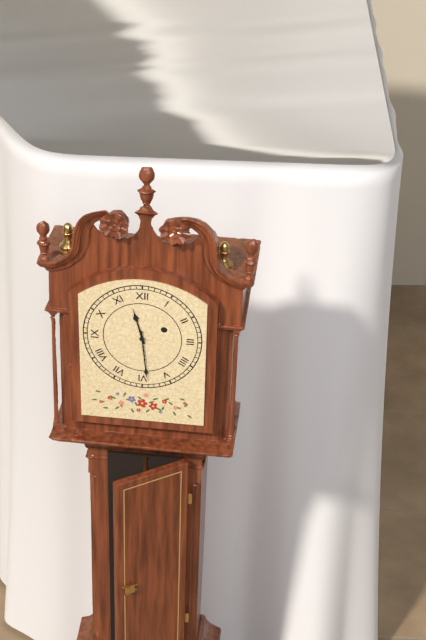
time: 11:29
